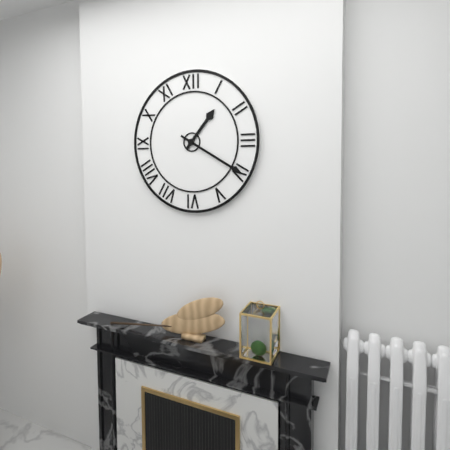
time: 1:20
